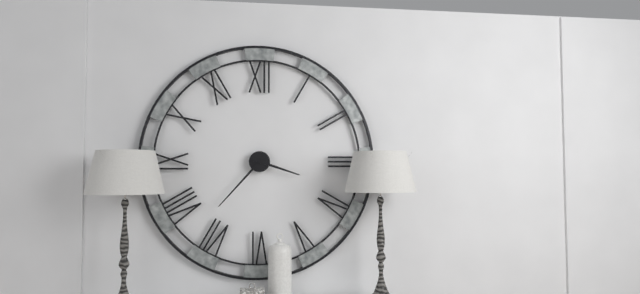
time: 3:37
